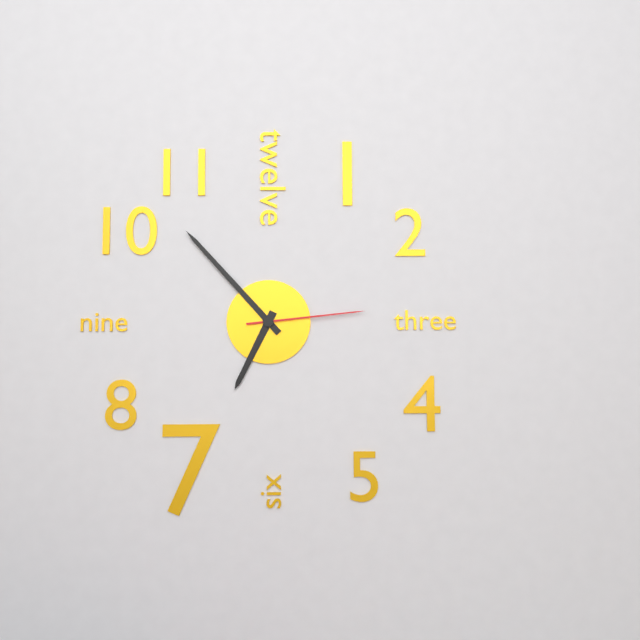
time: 6:53:14
